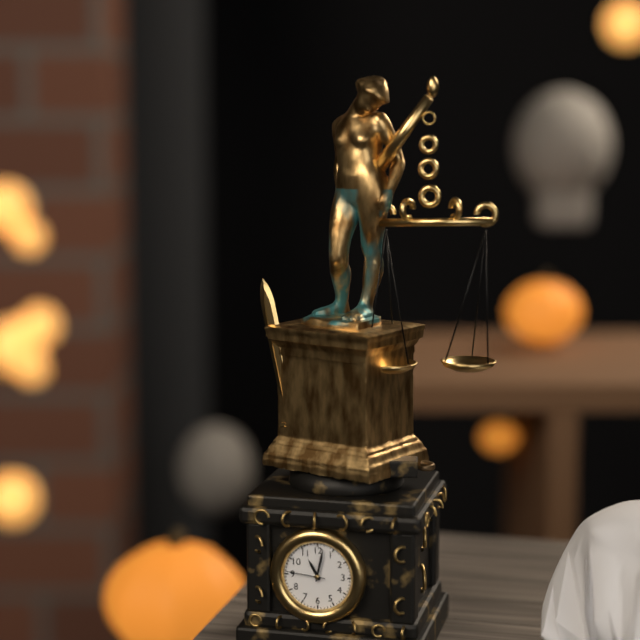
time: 11:02
